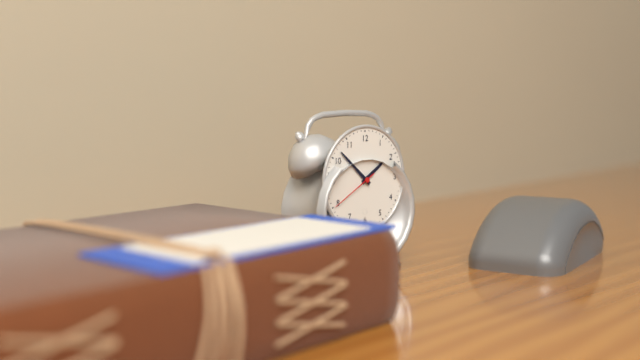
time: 1:52:40
